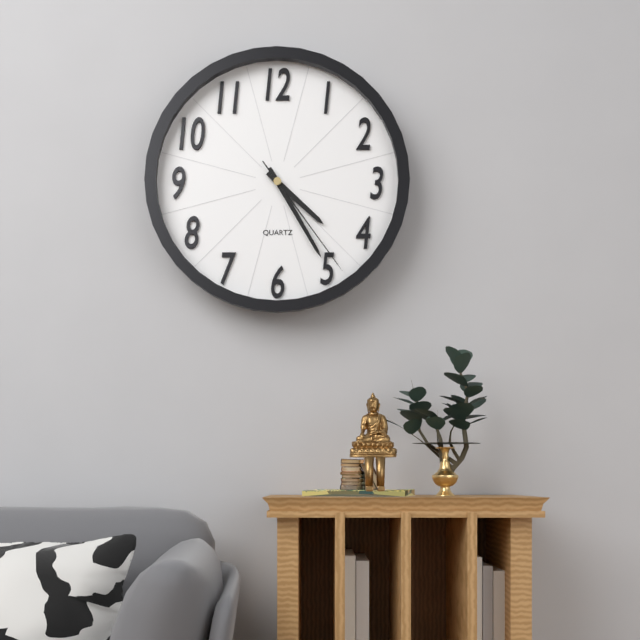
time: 4:25:24
